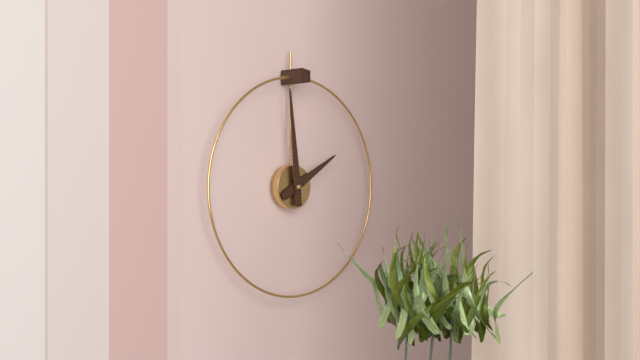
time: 1:59
